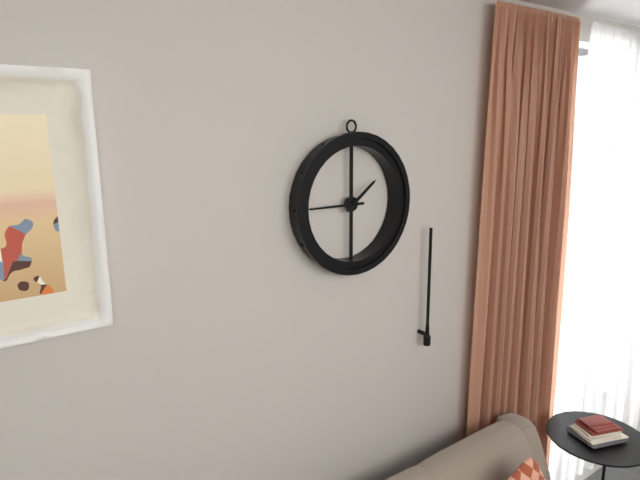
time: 1:45
